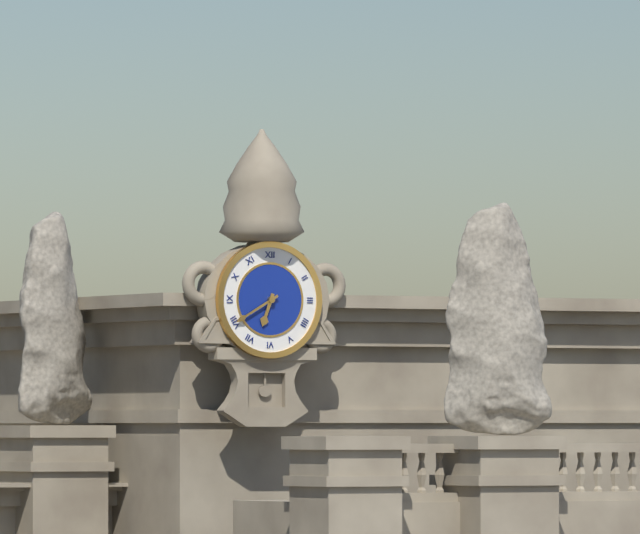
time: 6:40
